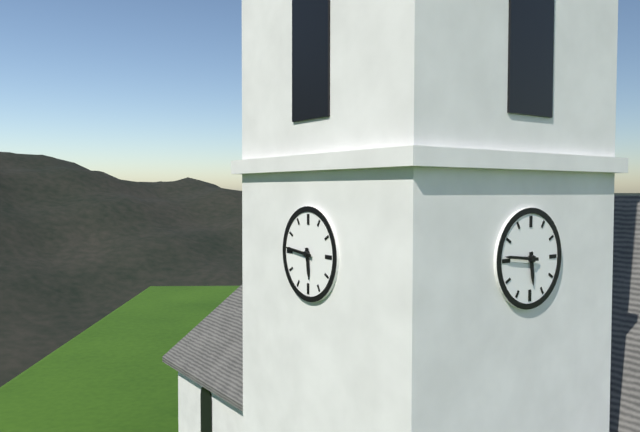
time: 5:46
